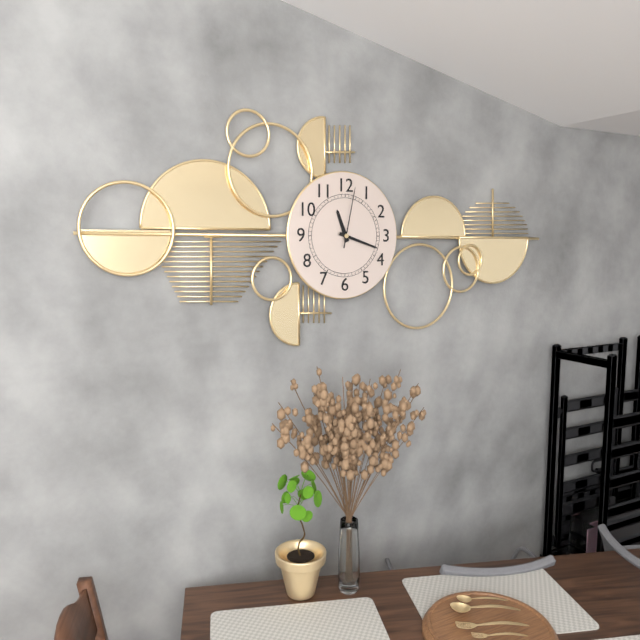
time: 11:18:02
